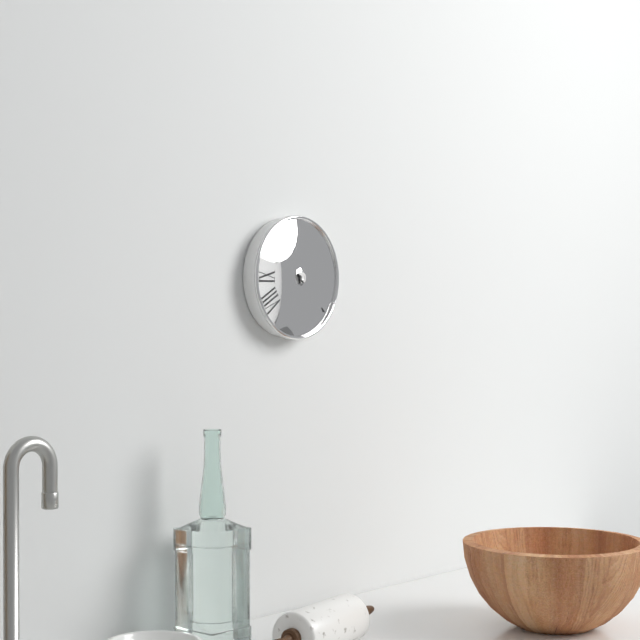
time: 11:22
